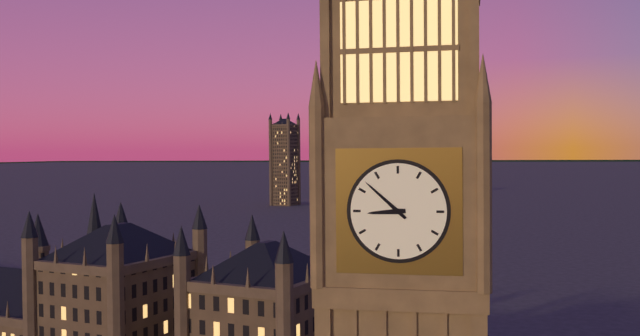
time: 8:52
